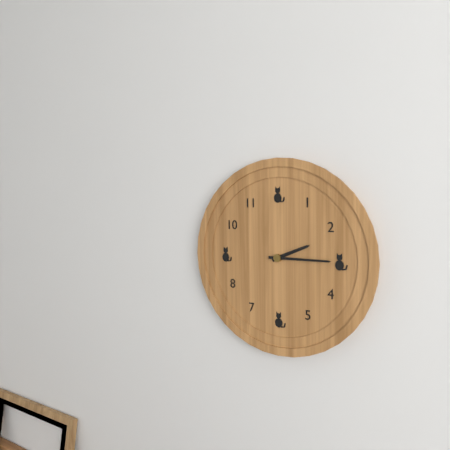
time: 2:15
